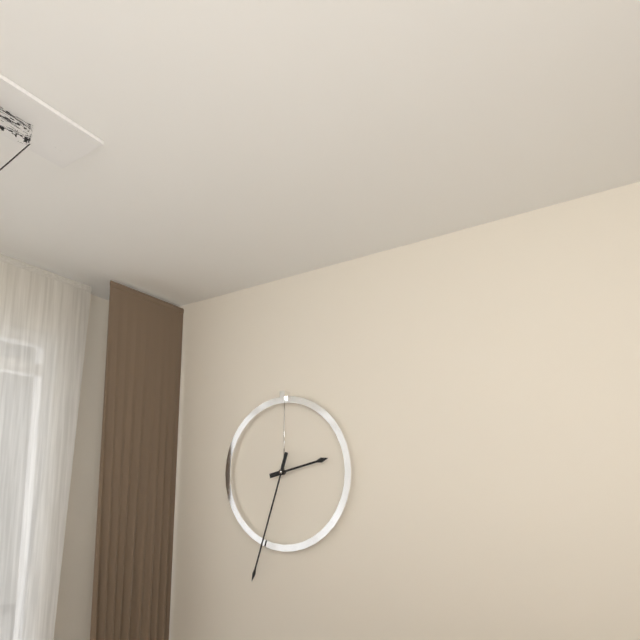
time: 2:33
